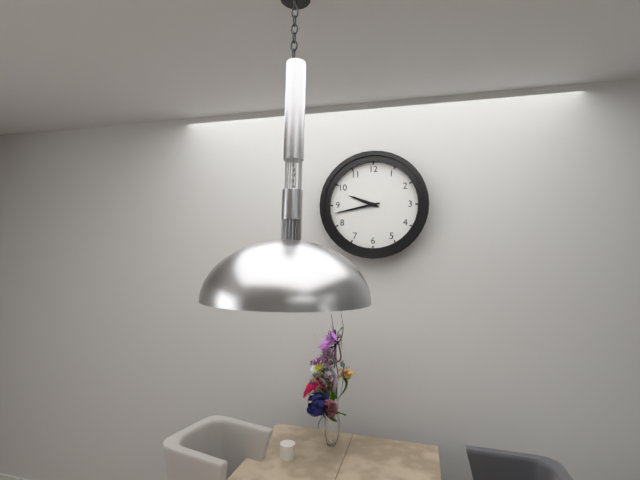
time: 9:43
